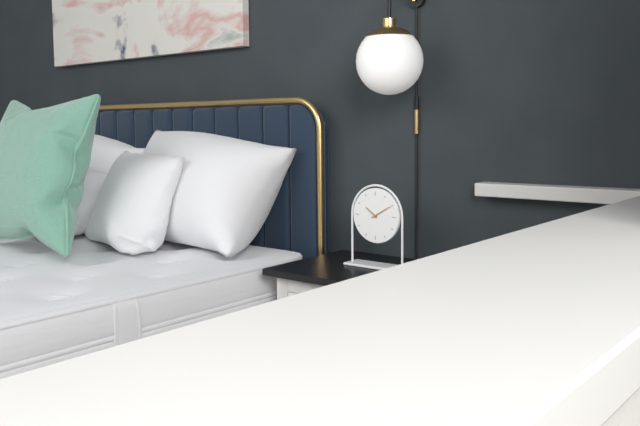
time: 10:10
